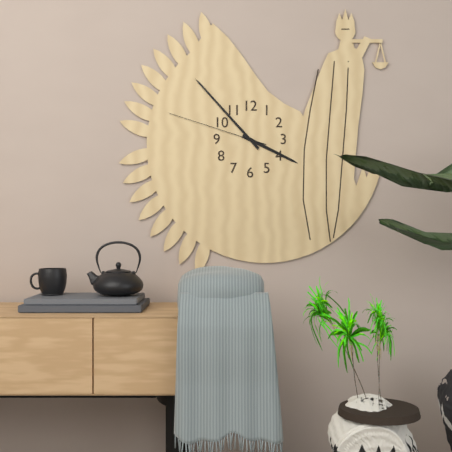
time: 3:53:48
